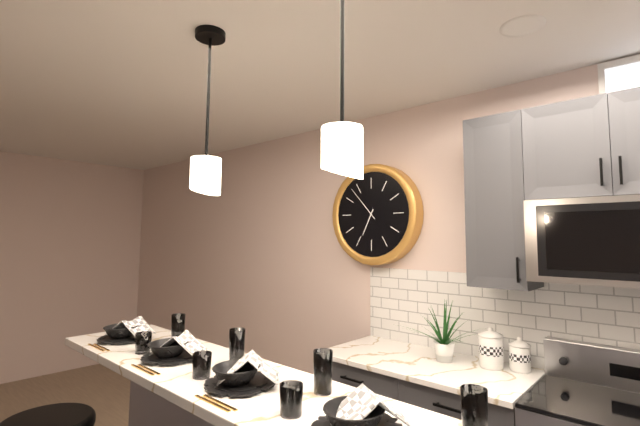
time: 6:53
